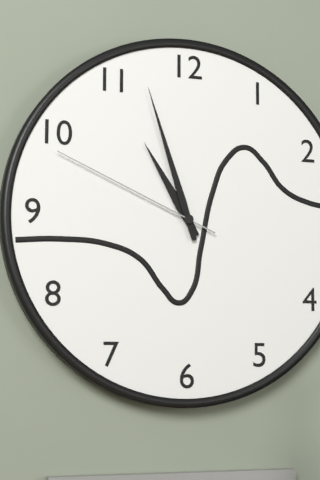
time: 10:57:49
